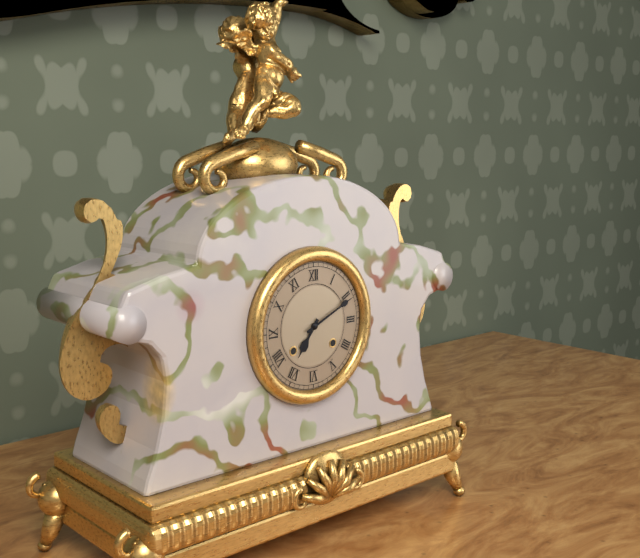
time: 7:11
